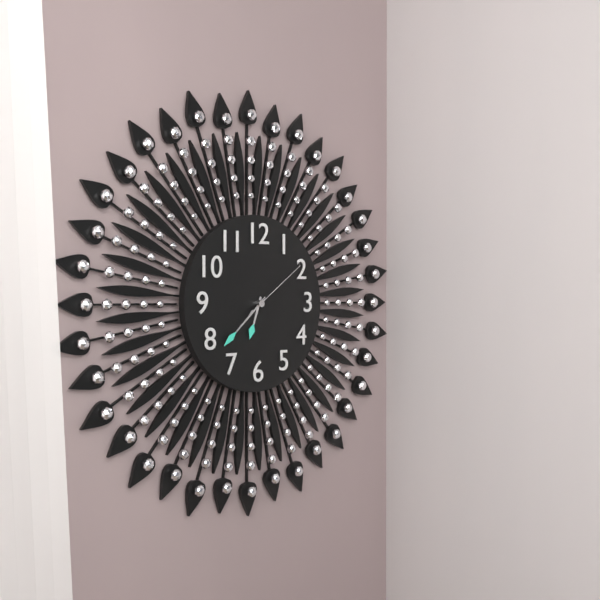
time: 6:38:09
